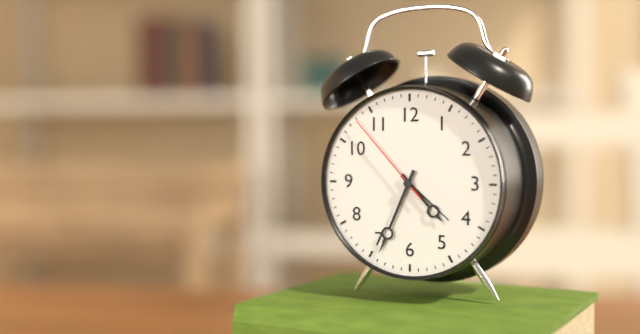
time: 4:34:53
